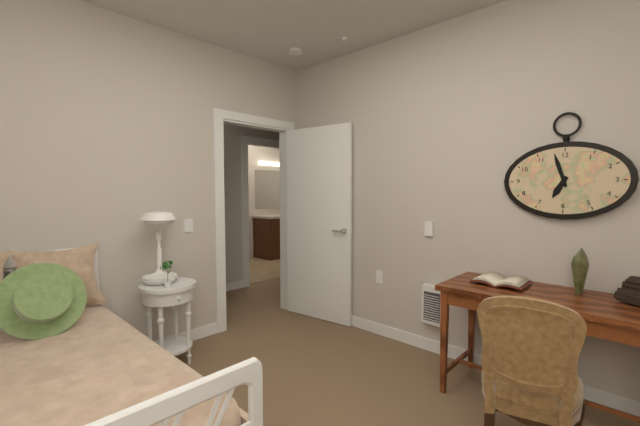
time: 6:57
